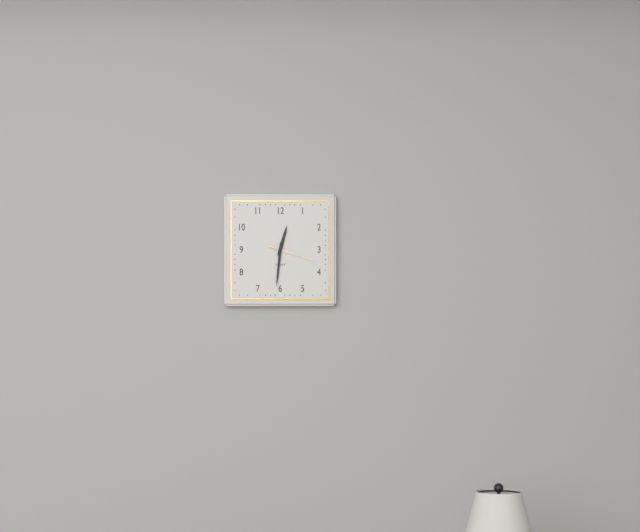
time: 12:31
